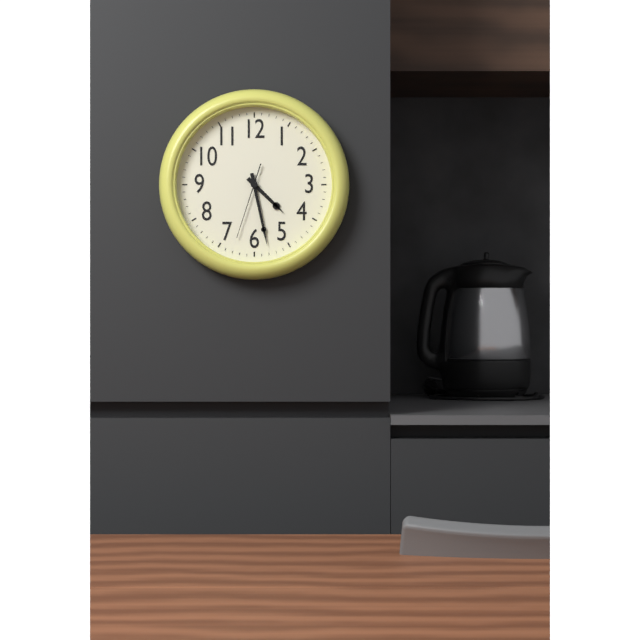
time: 4:28:33
